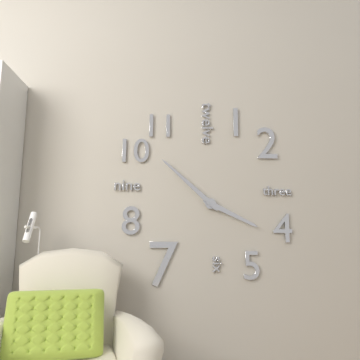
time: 3:52
